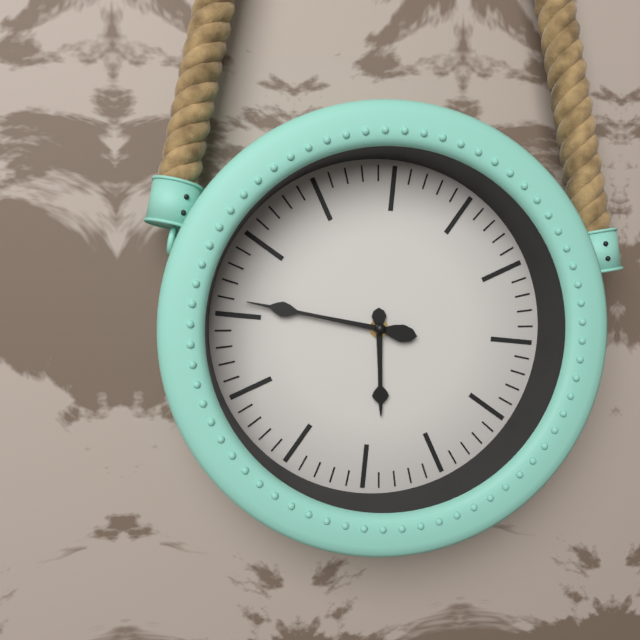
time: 5:46
